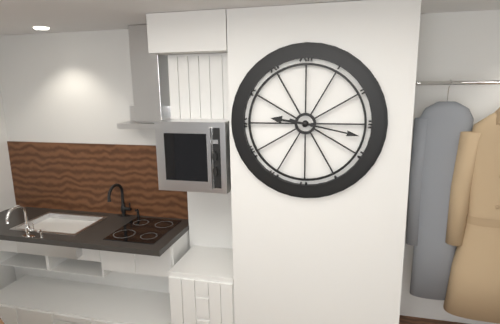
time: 9:17
